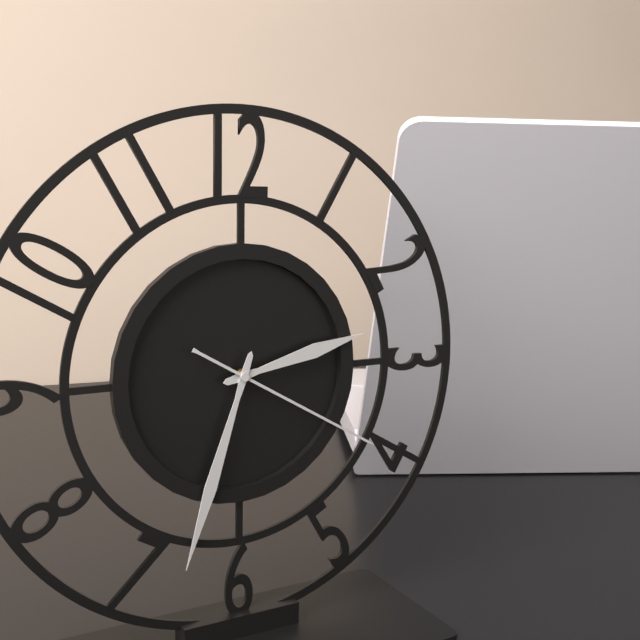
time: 2:33:20
